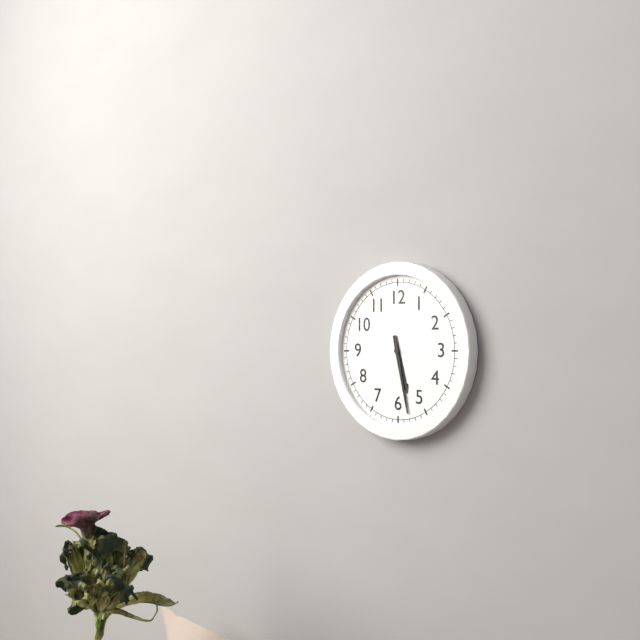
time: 5:28
